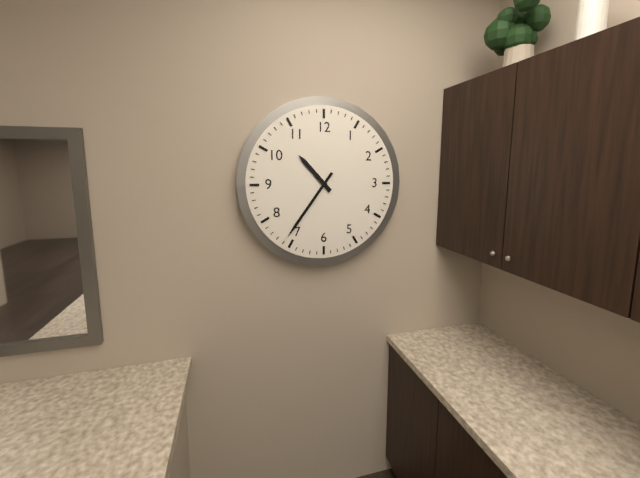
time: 10:36
